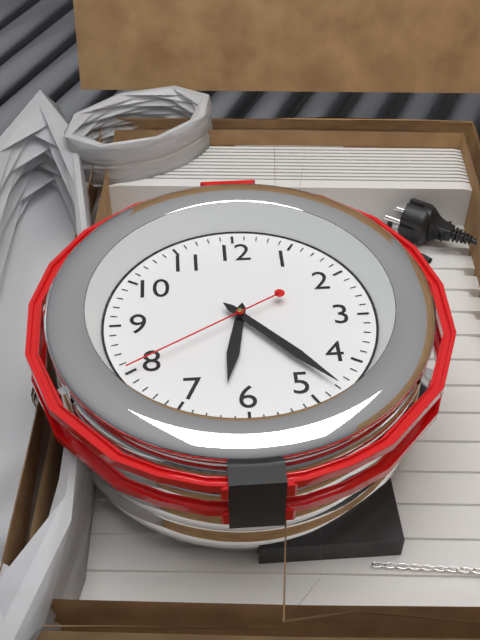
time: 6:23:40
